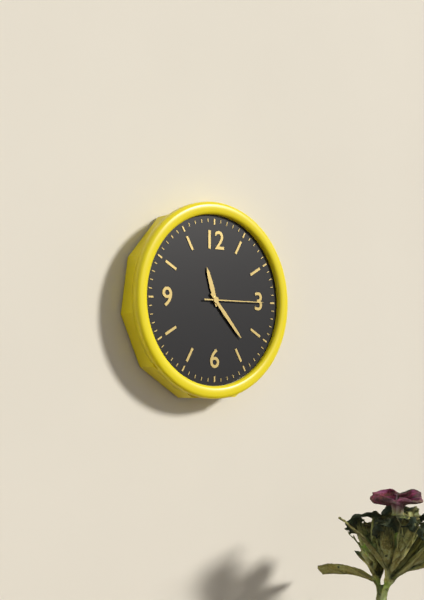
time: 11:23:15
